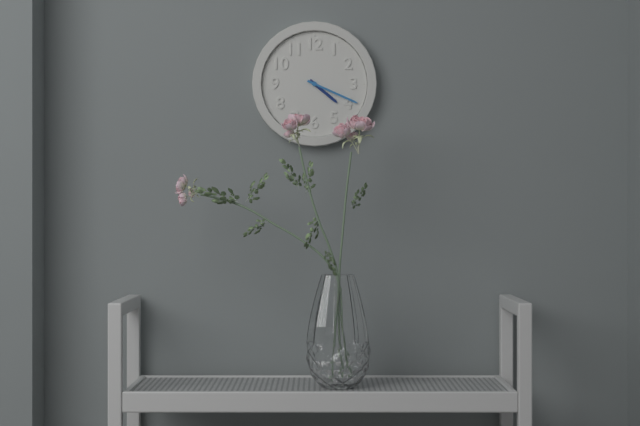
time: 4:19
